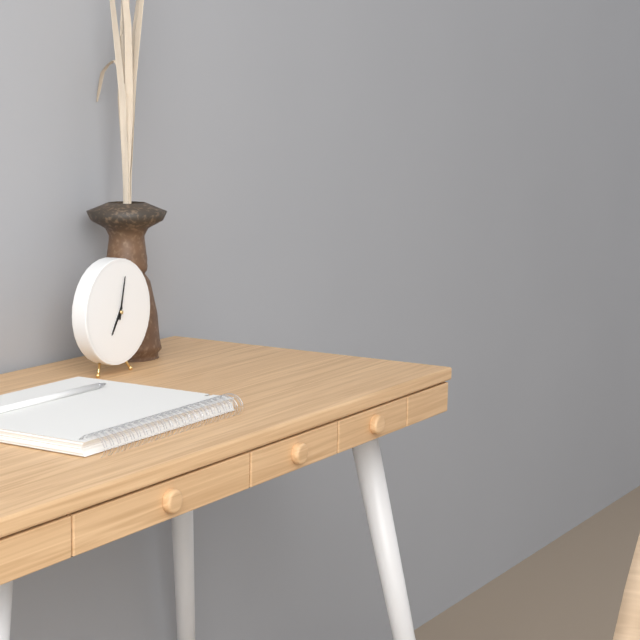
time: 7:02
